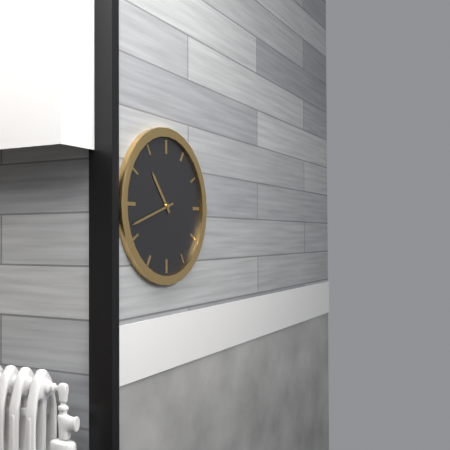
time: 10:42
